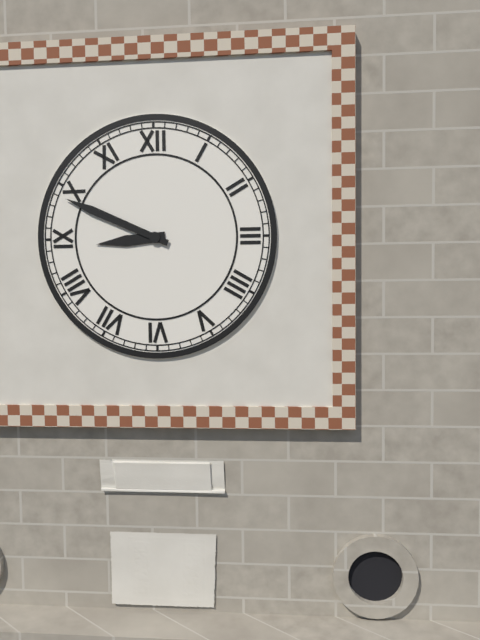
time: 8:49
